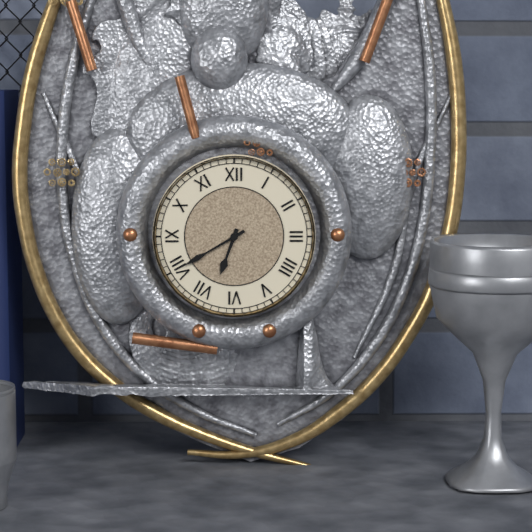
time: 6:40
